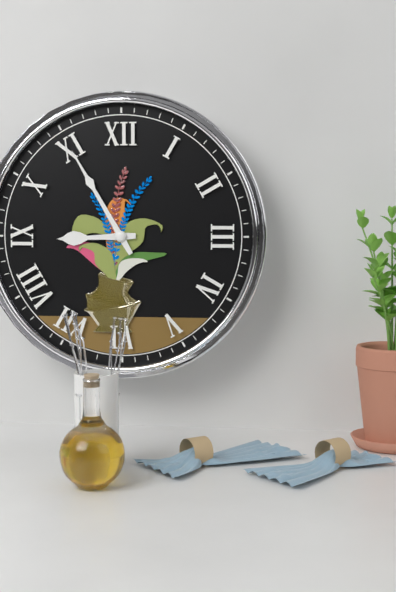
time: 8:55
